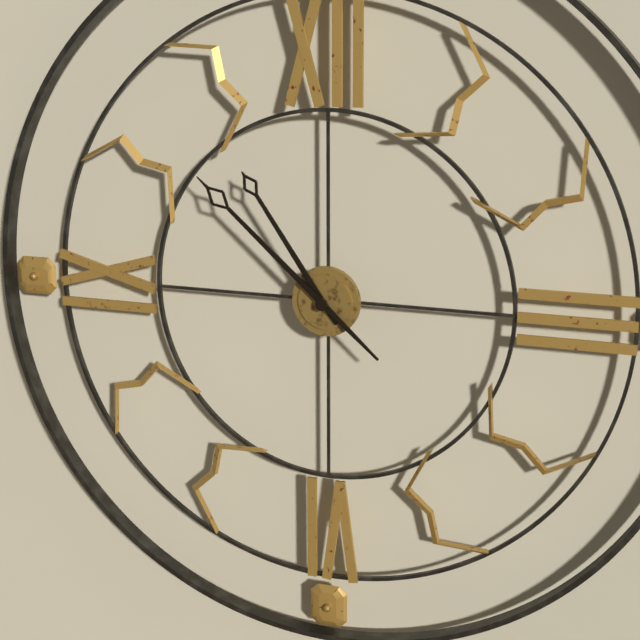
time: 10:52
